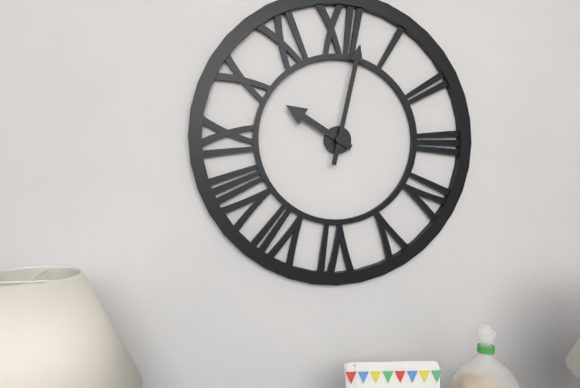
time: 10:02
